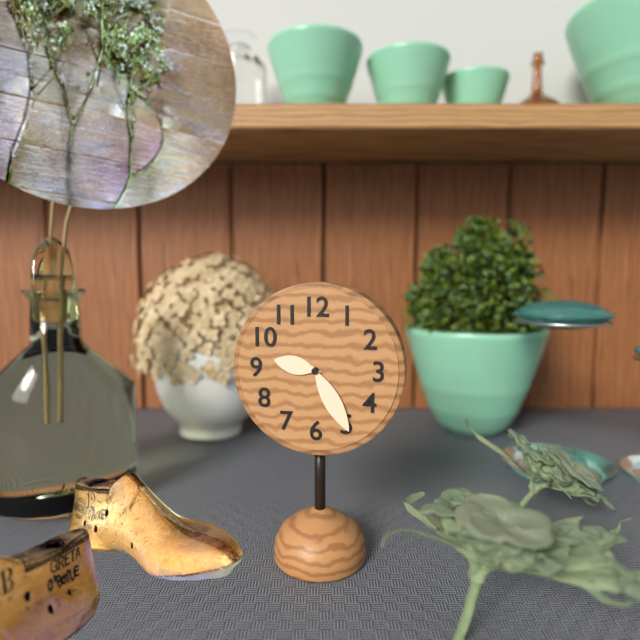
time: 9:25
